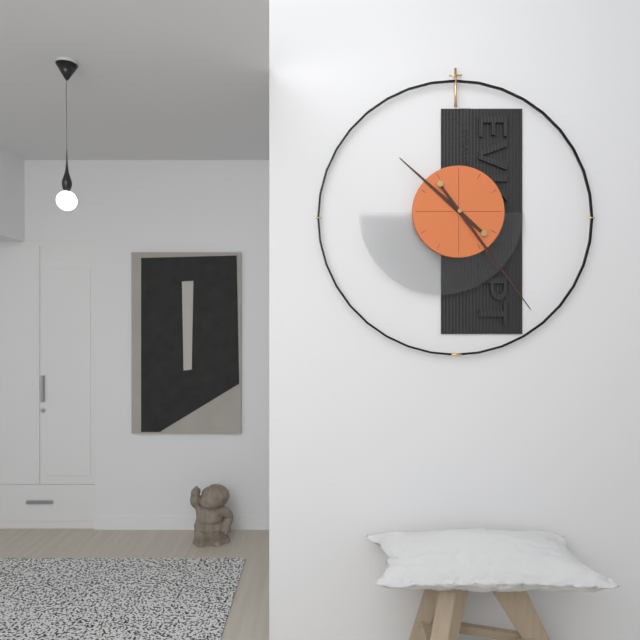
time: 10:24
